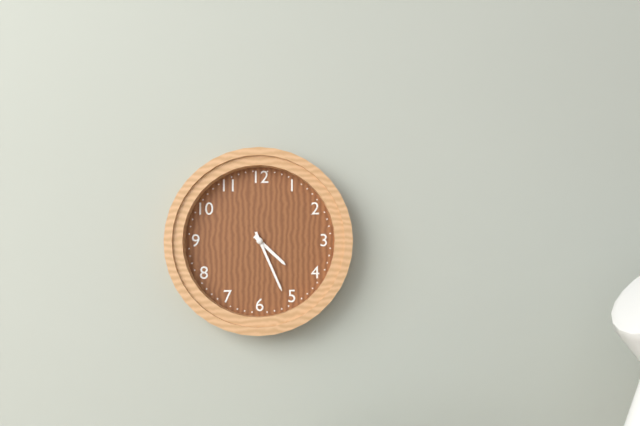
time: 4:26
